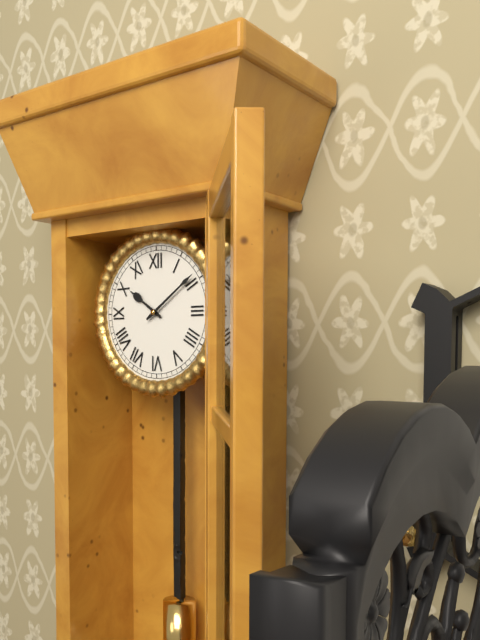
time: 10:09
